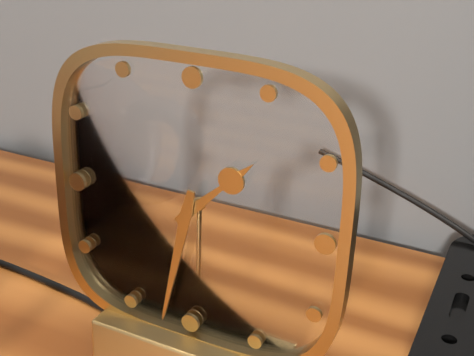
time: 1:32
